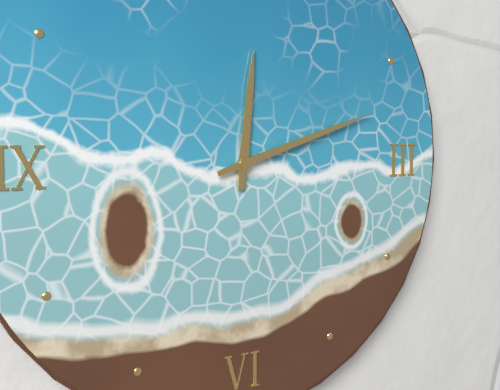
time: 12:12
